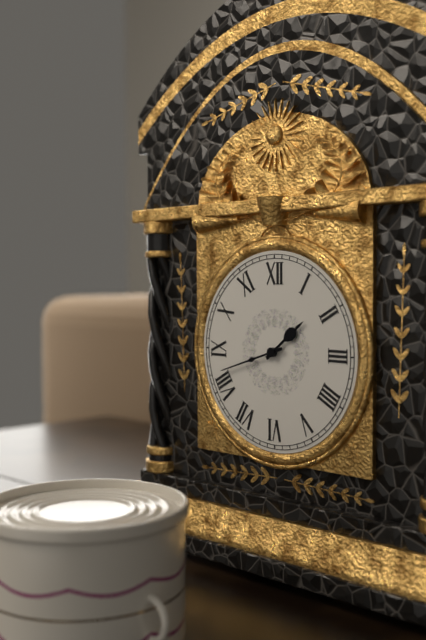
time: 1:42
